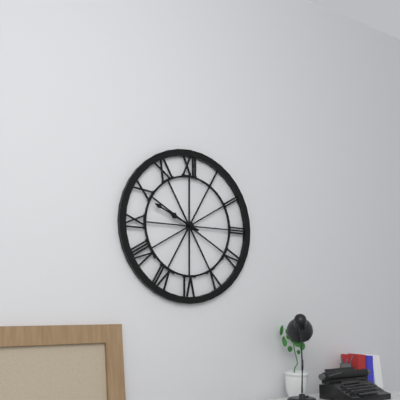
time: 9:49
